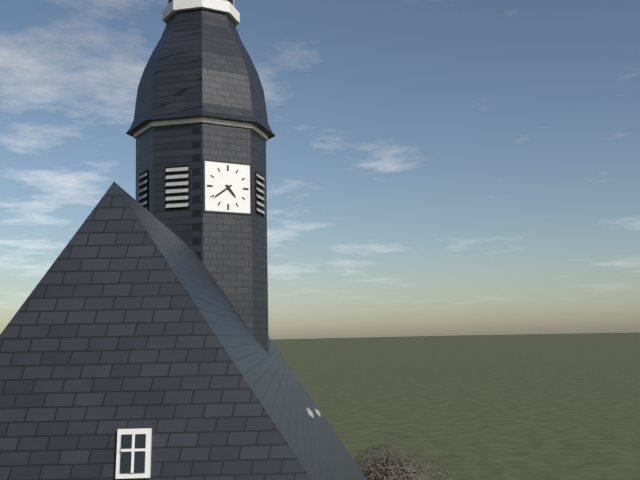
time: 4:39
